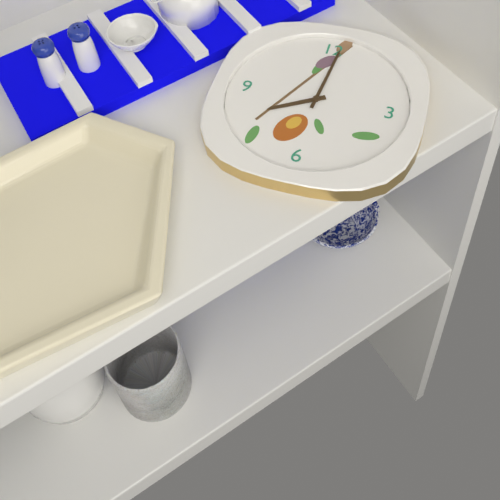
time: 8:01
